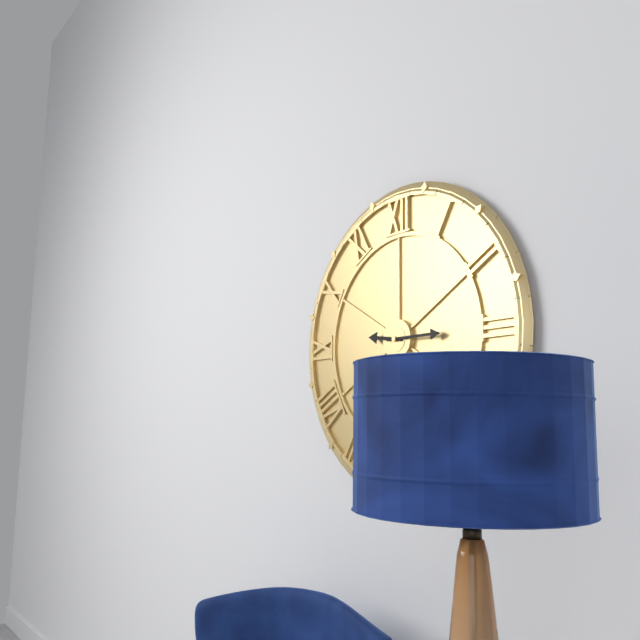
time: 9:15
